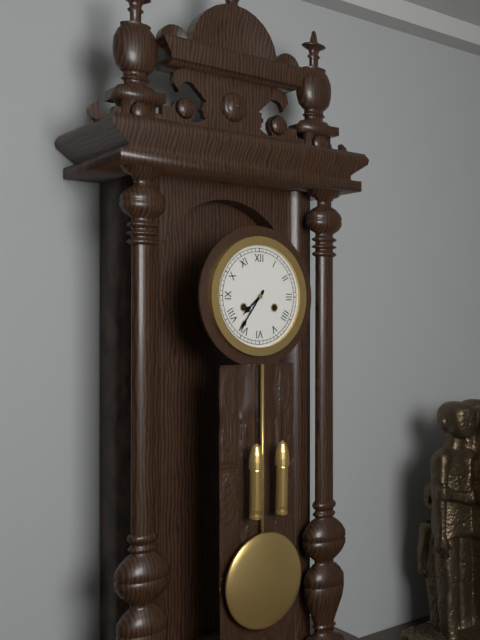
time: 7:36
